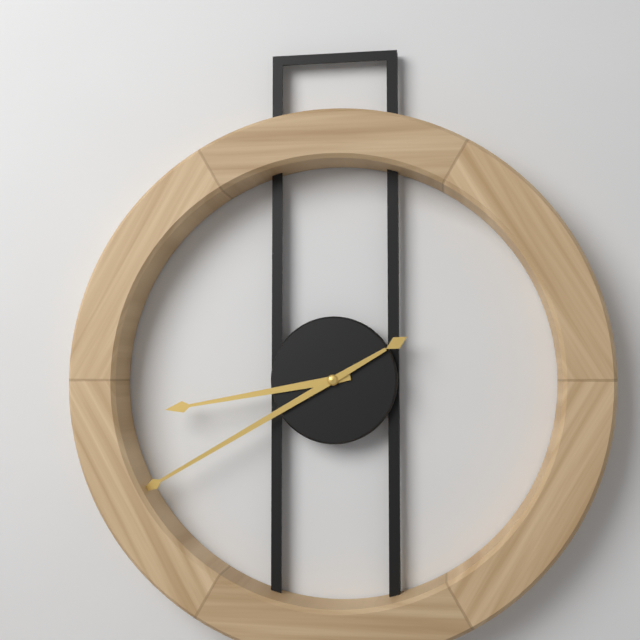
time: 8:40
